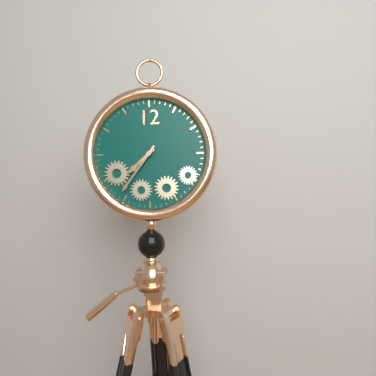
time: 7:36
